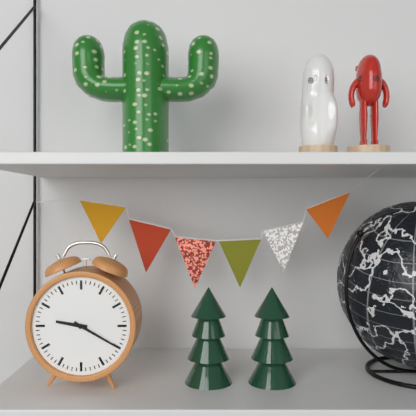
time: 9:20
